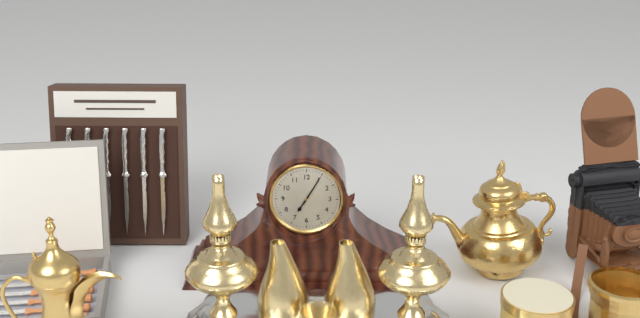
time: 7:05
